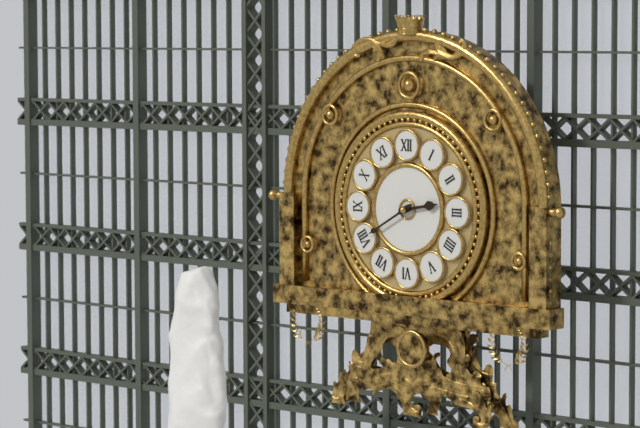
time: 2:40
